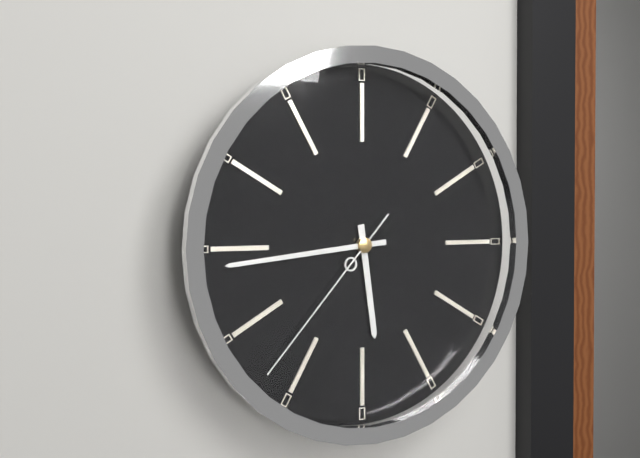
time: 5:44:37
